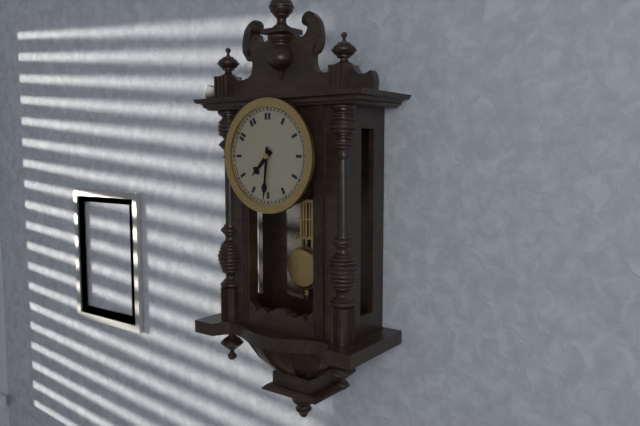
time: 7:31
